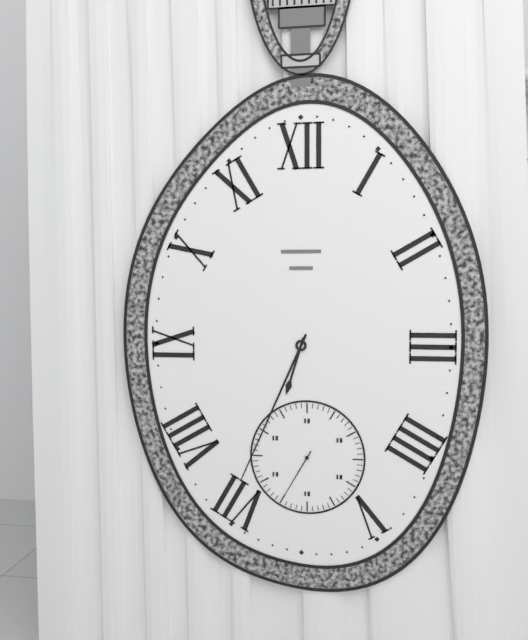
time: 6:34:35
